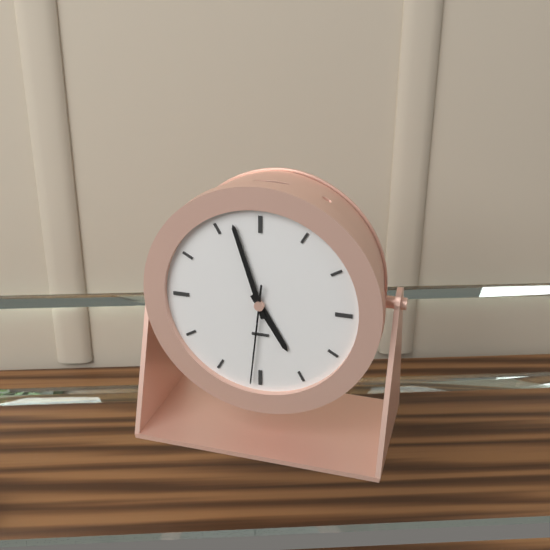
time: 4:57:31
